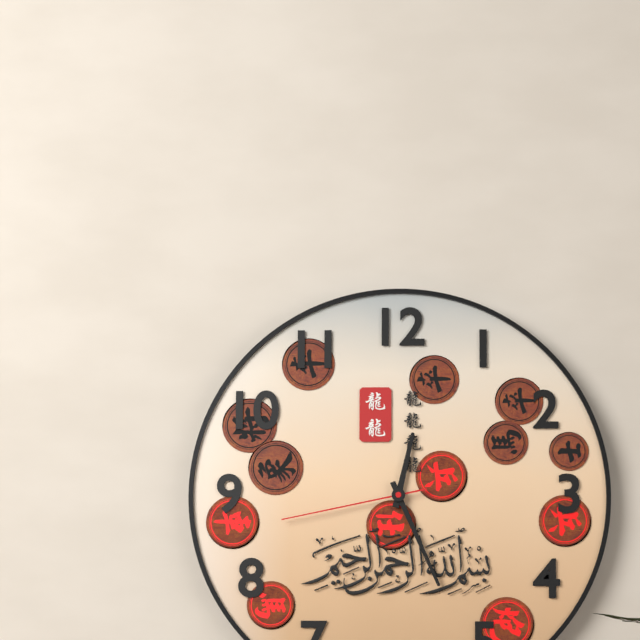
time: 12:26:43
